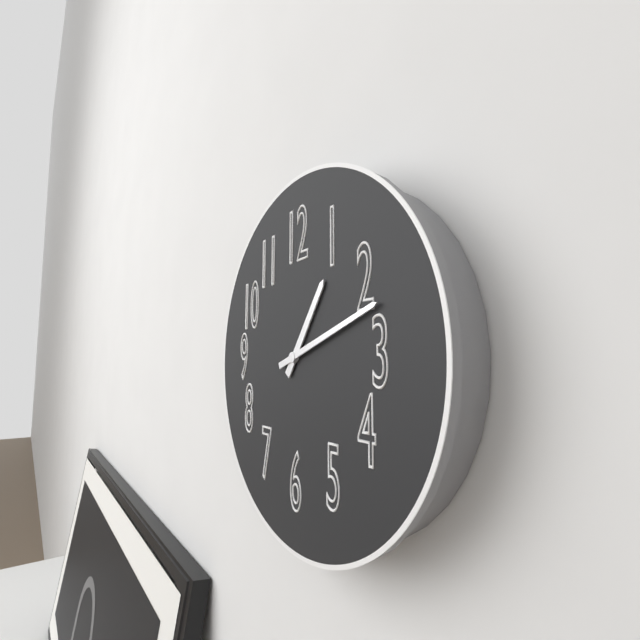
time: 1:12
